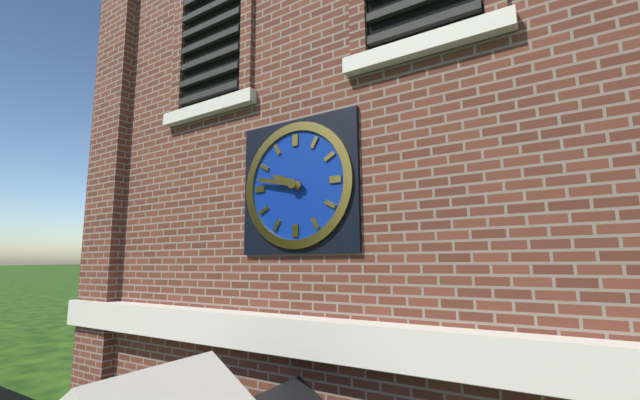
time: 9:47
